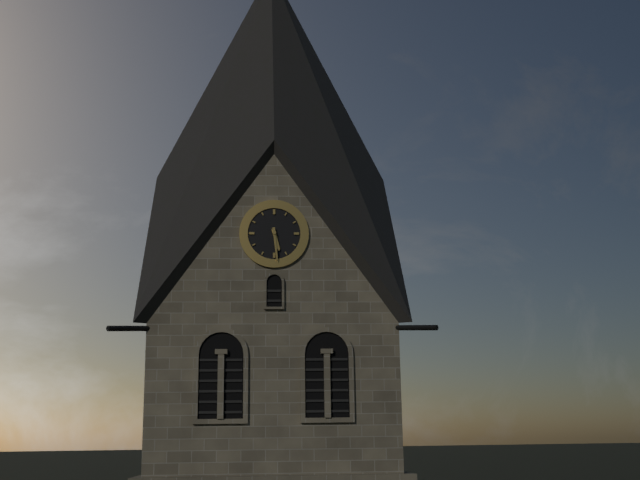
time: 5:29
